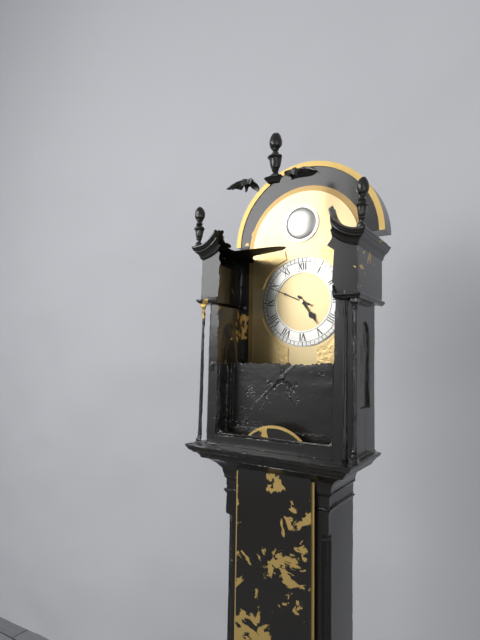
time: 4:49
